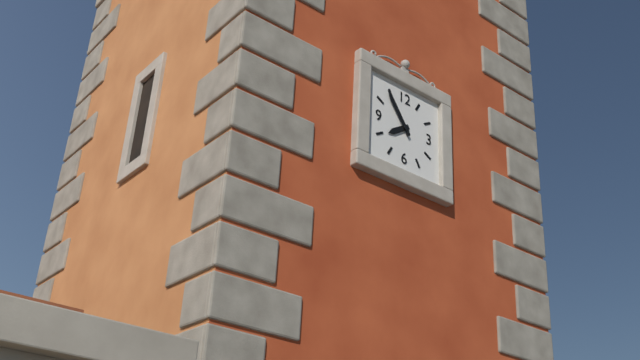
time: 7:54
